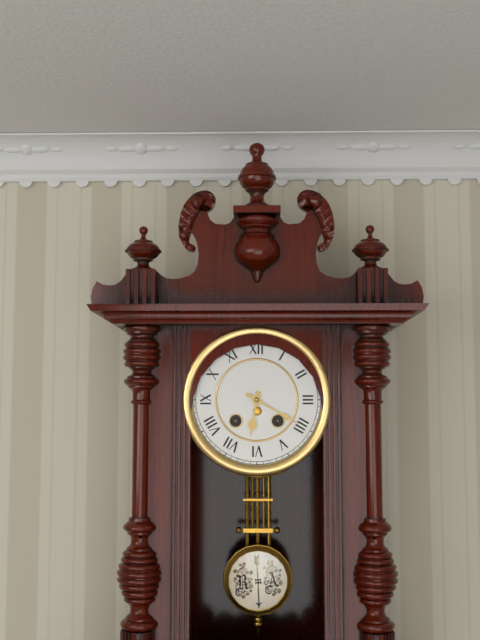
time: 6:20
